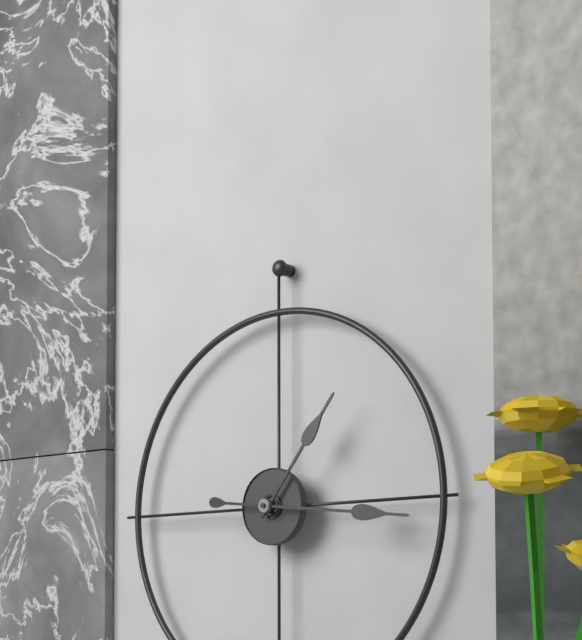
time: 1:16
